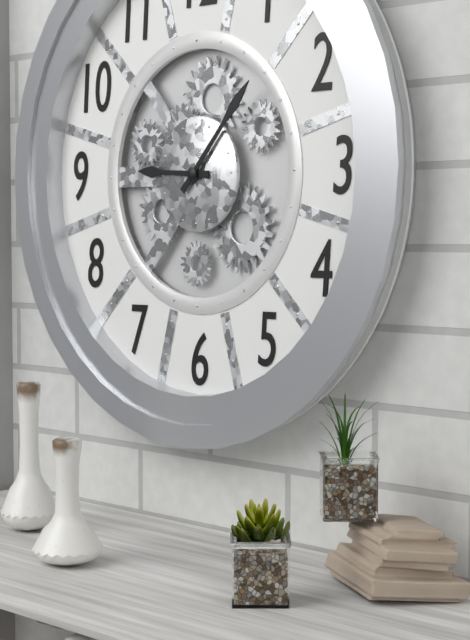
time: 9:07
